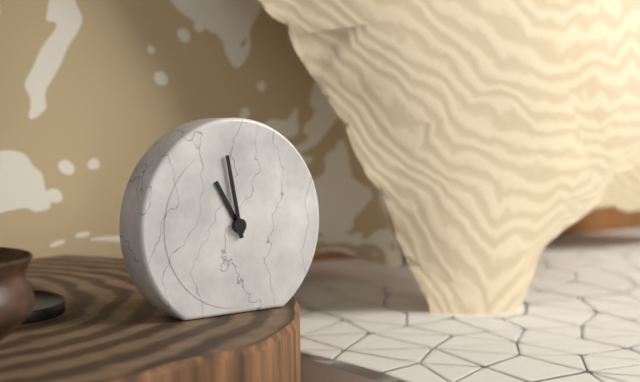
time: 10:58
